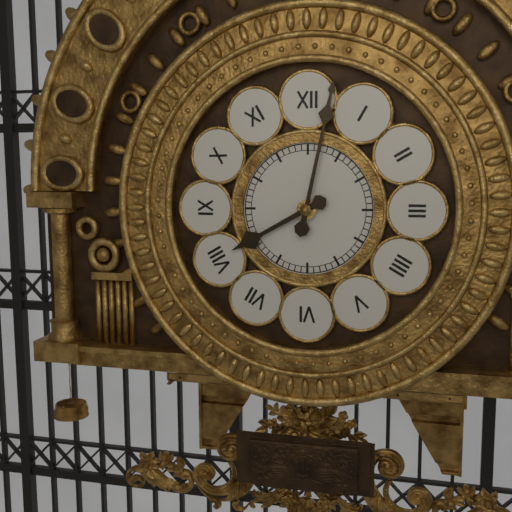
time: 8:02
